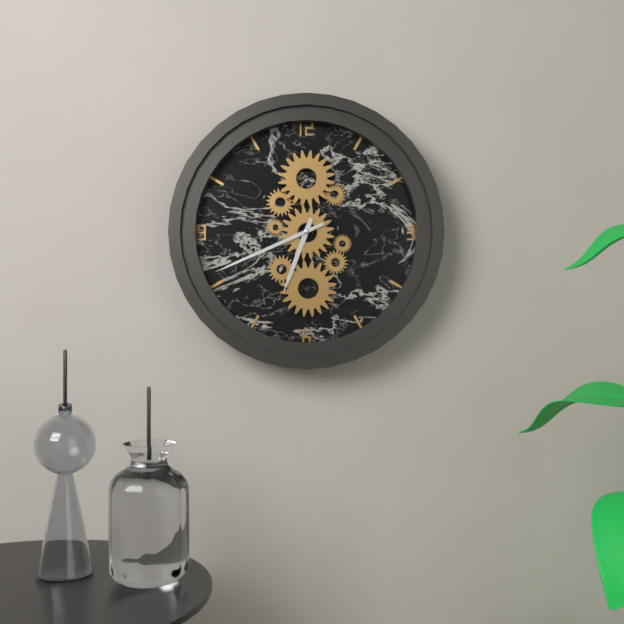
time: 6:41
